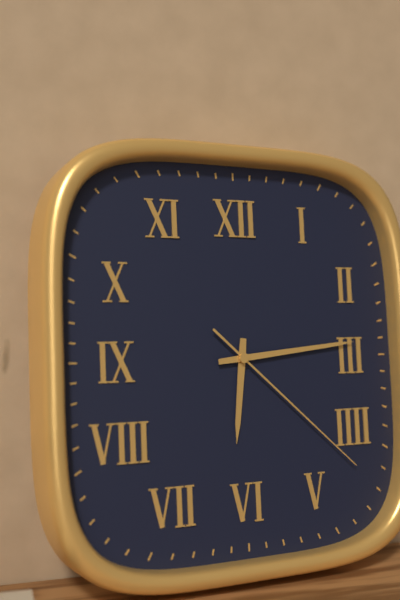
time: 6:14:22
